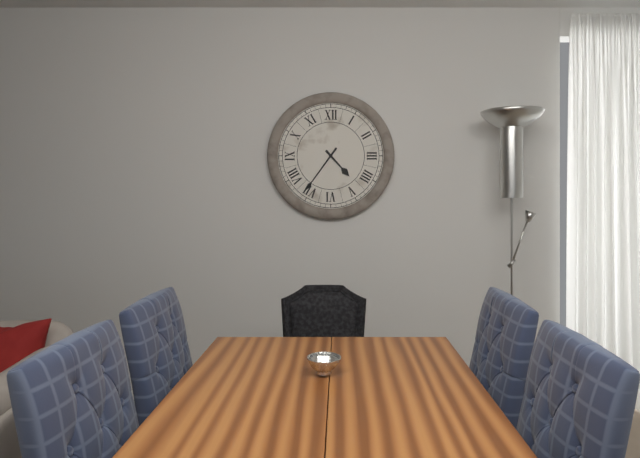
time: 4:36
